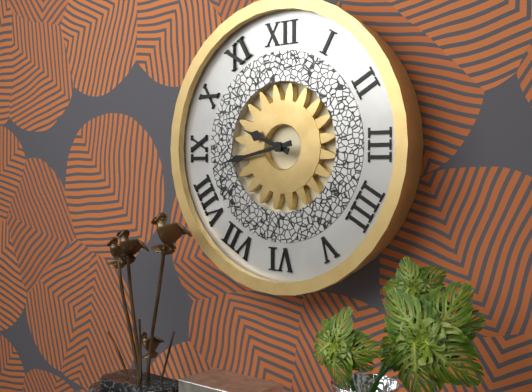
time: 9:43
